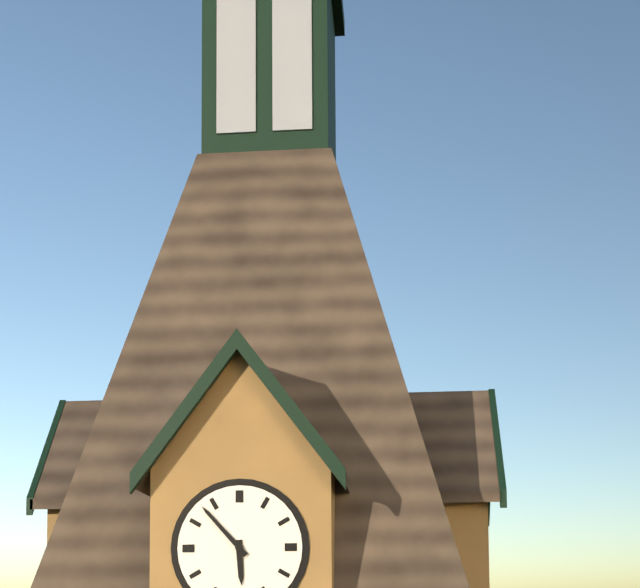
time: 5:53
